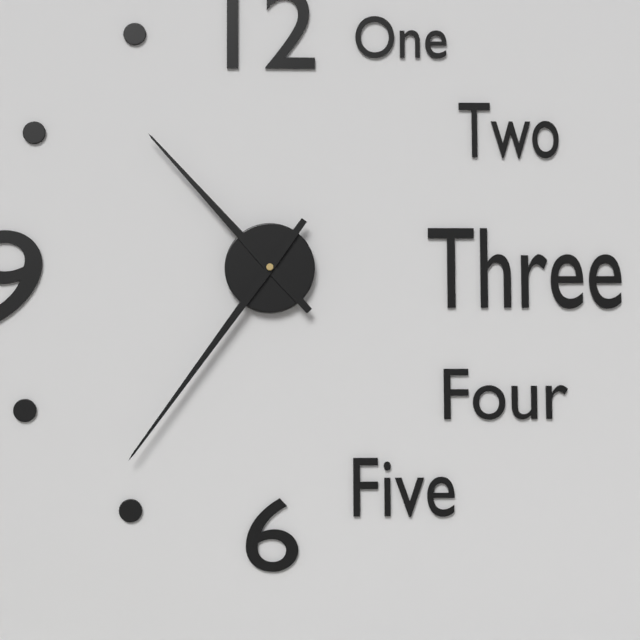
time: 10:36
